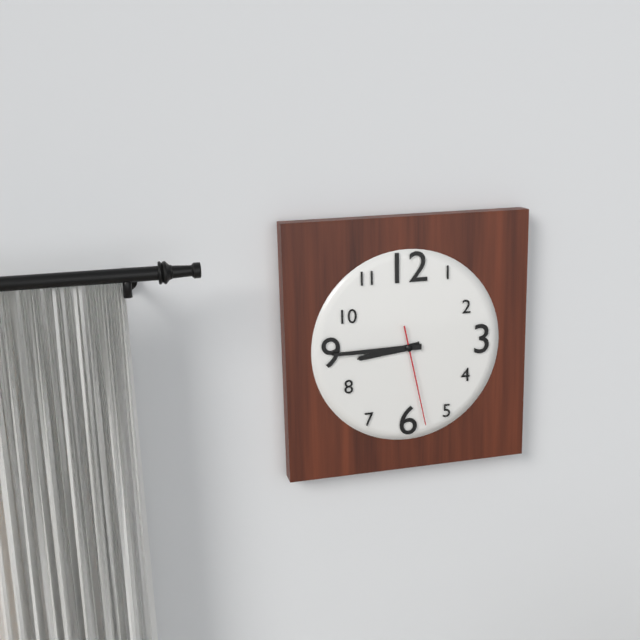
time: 8:45:28
